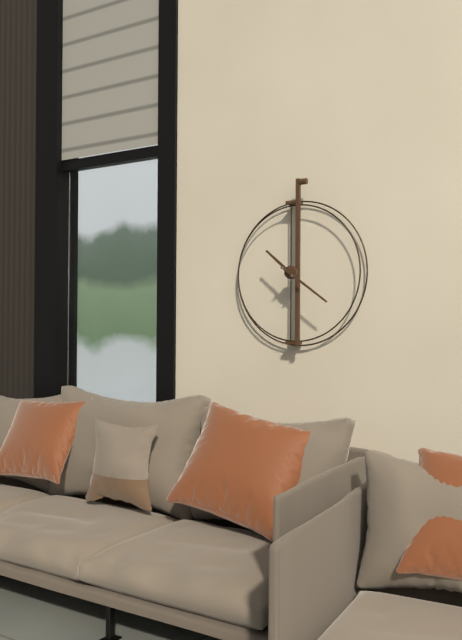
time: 10:21
